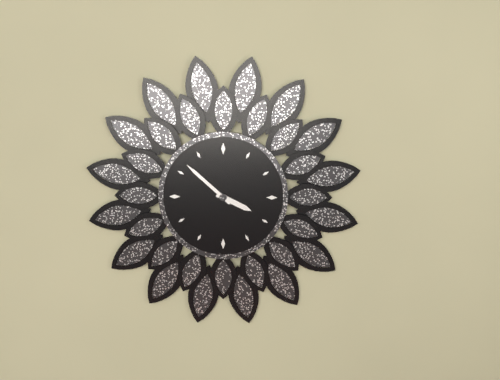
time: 3:52
